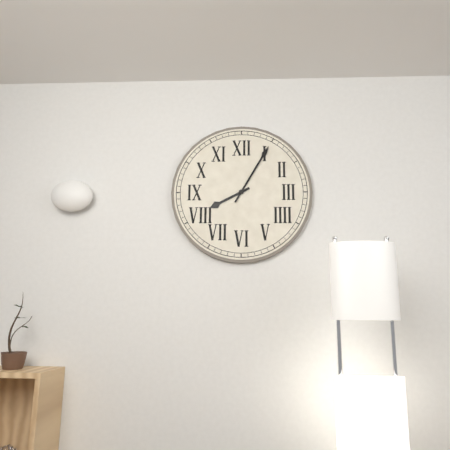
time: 8:05
